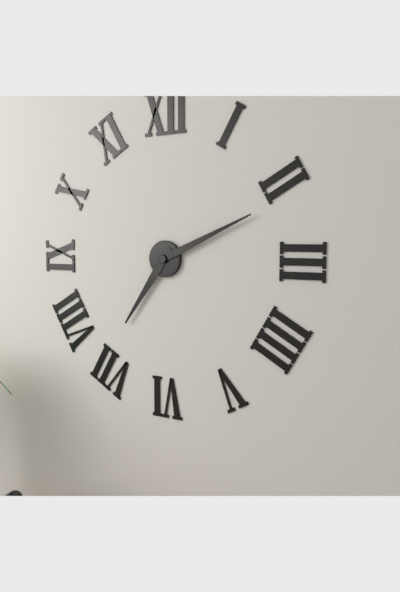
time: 7:11
